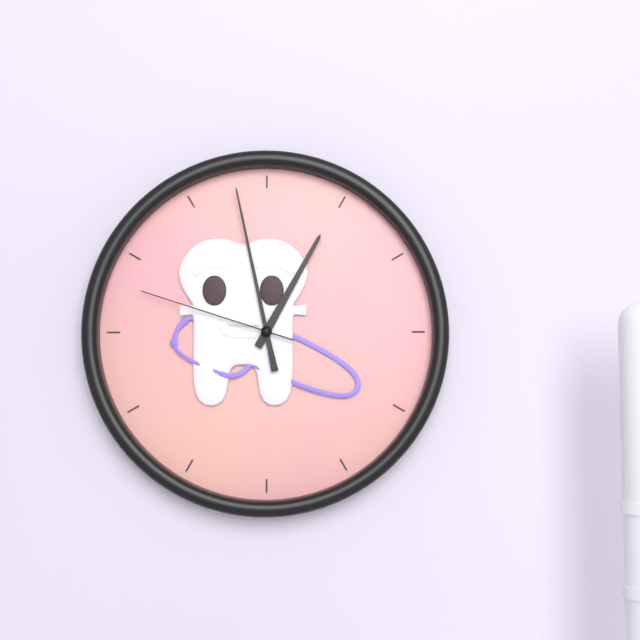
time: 12:58:48
